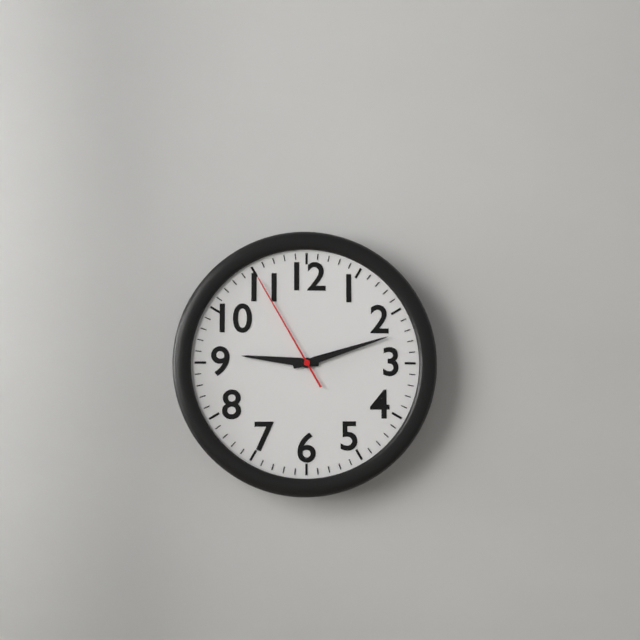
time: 9:12:55
